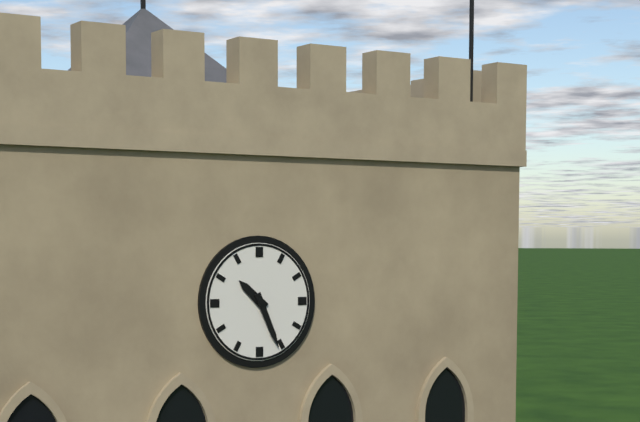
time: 10:26
